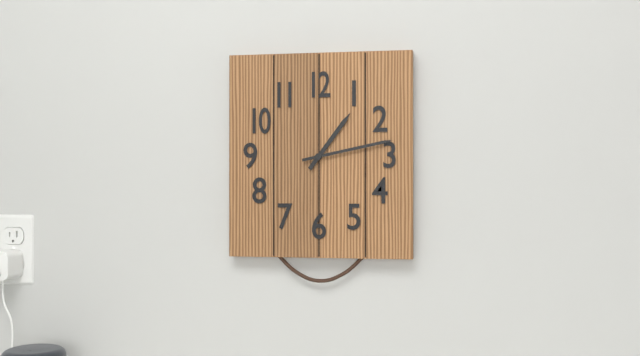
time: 1:13
